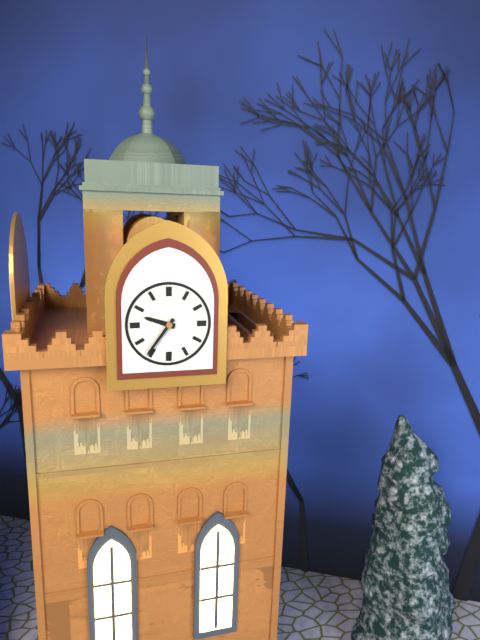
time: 9:36
